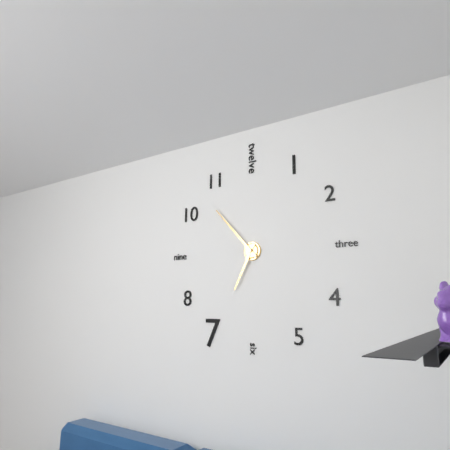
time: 6:53
